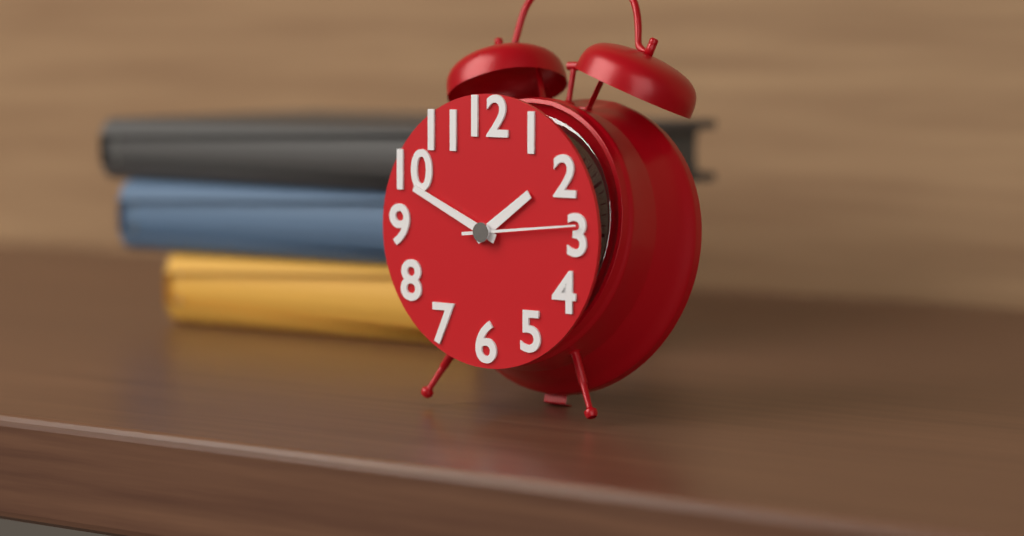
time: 1:49:14
